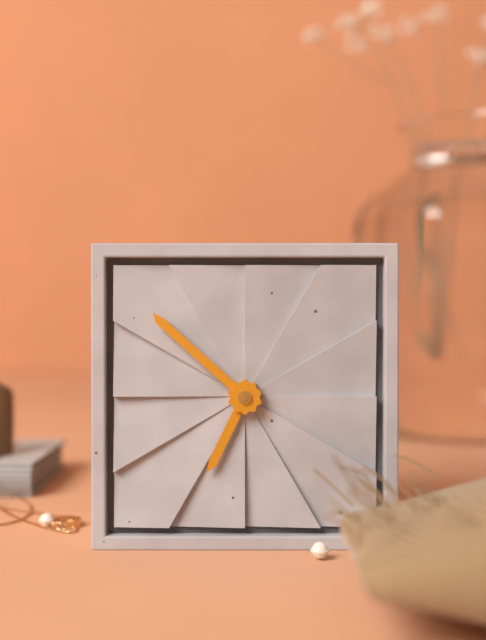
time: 6:52
